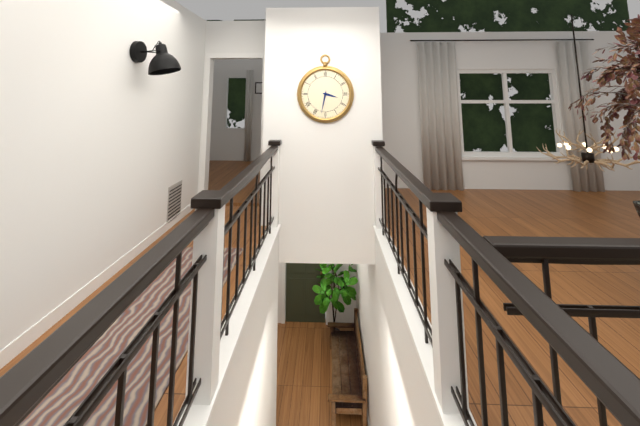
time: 3:32
